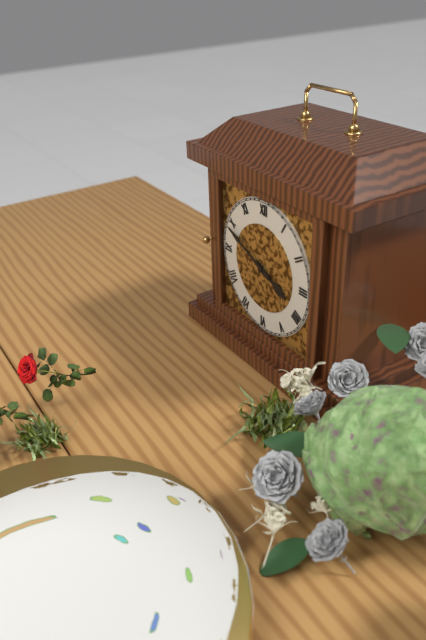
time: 3:49
